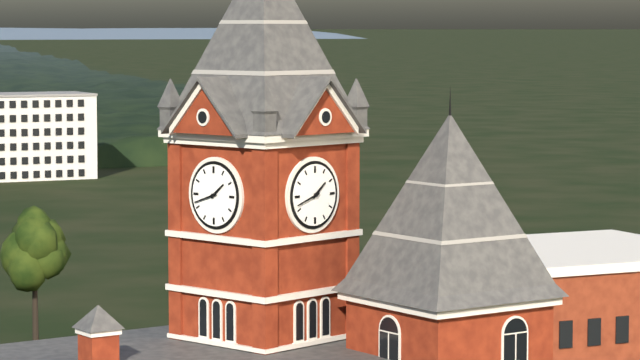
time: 1:42
